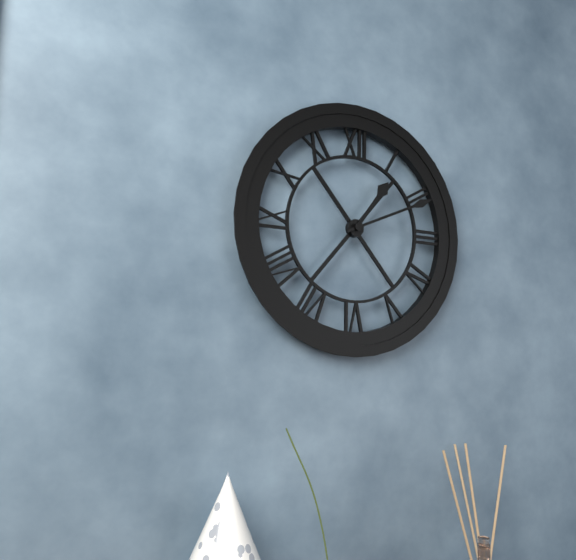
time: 1:11
